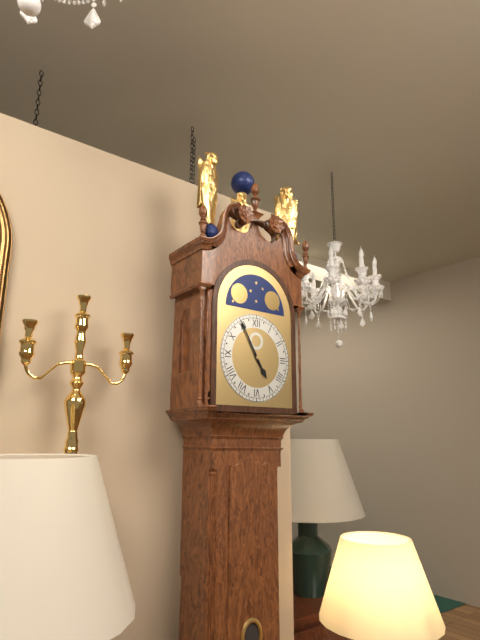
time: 4:55
